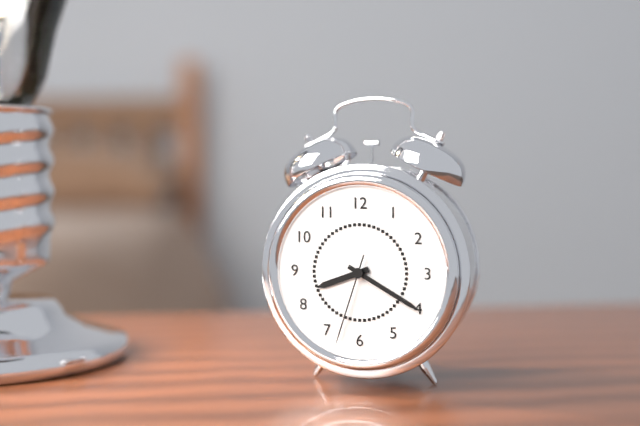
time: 8:20:33
